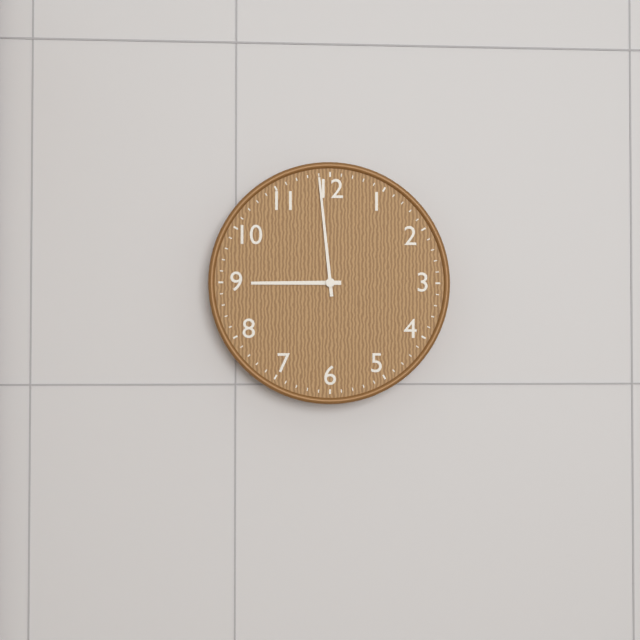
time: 8:59
